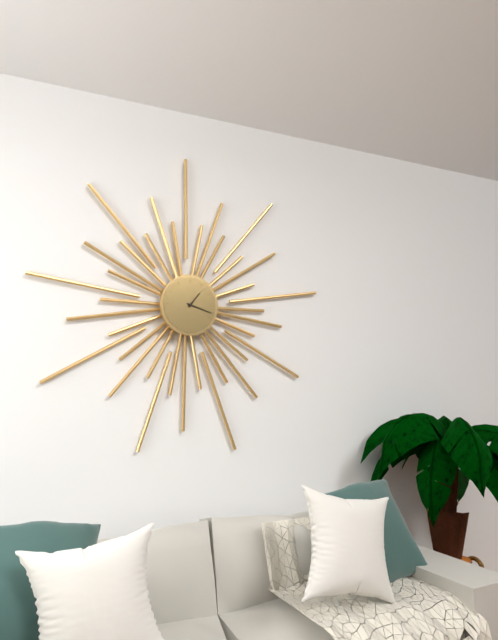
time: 1:18
